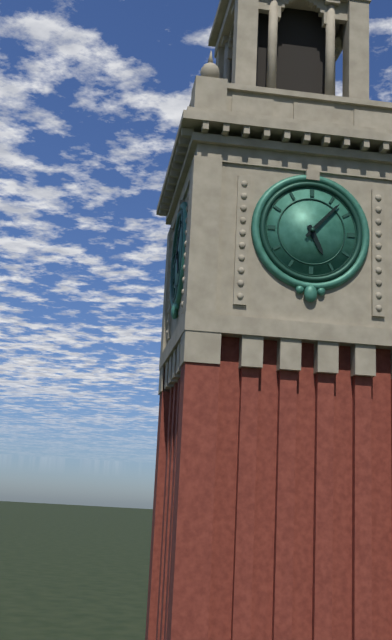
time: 5:07
